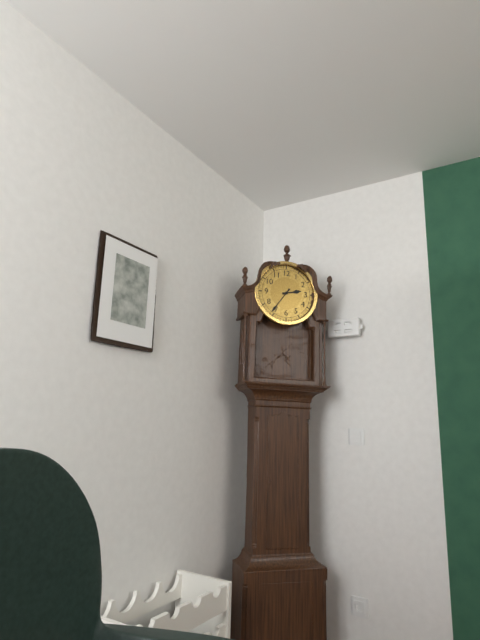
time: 2:36
